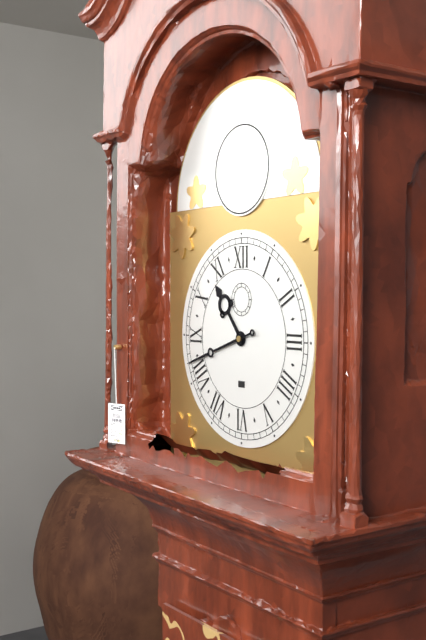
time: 10:42
